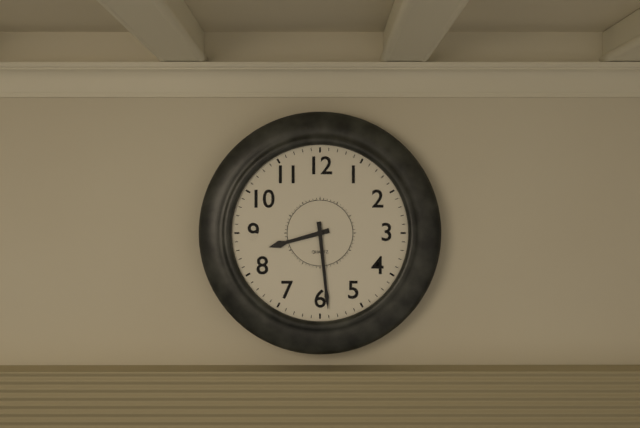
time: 8:29
